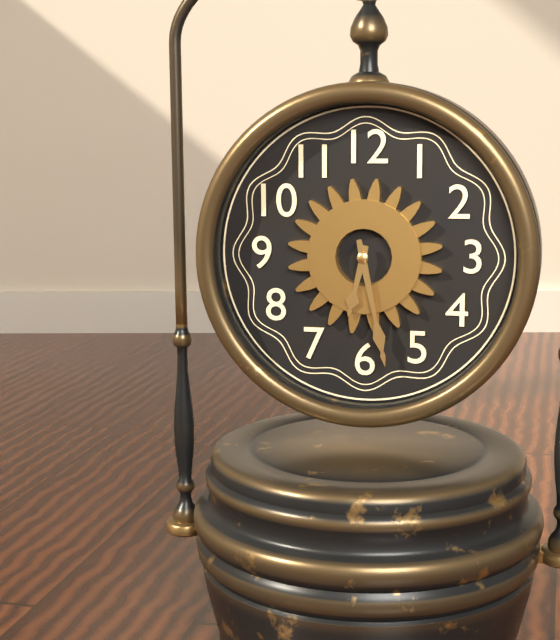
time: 6:28
